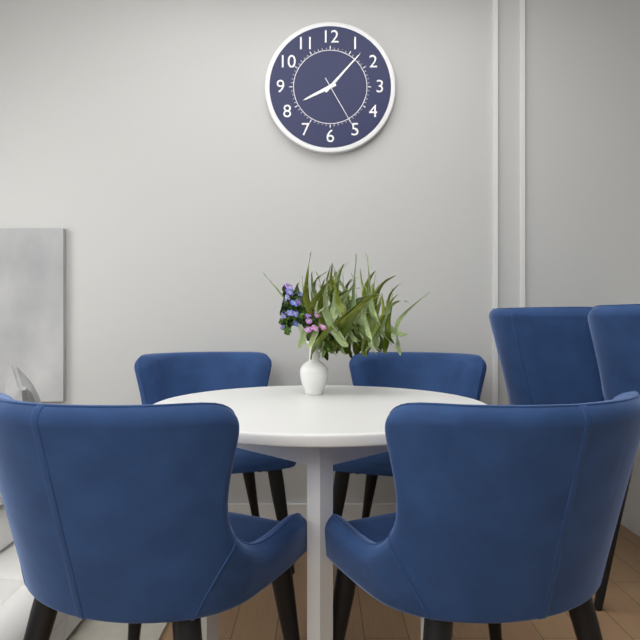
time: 8:07:25
